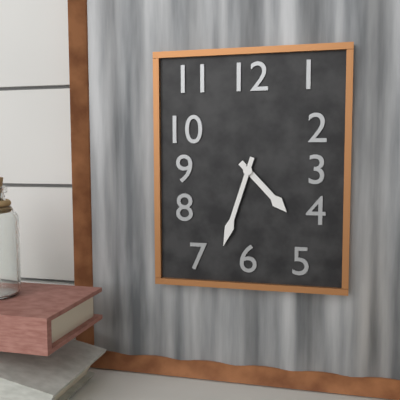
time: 4:33
